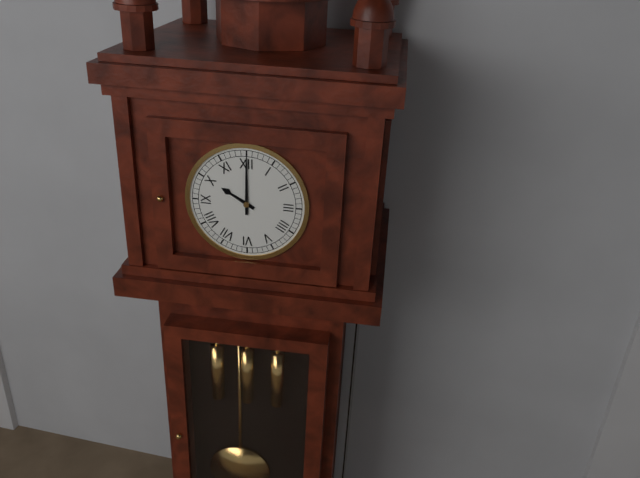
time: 10:00
